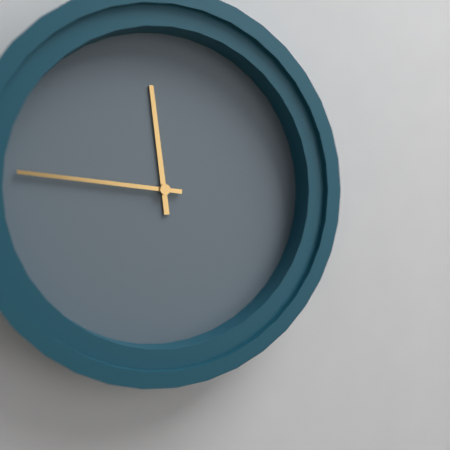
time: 11:46
